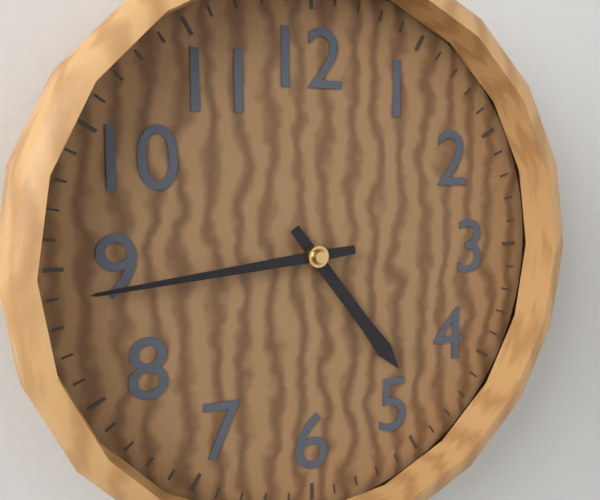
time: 4:44
